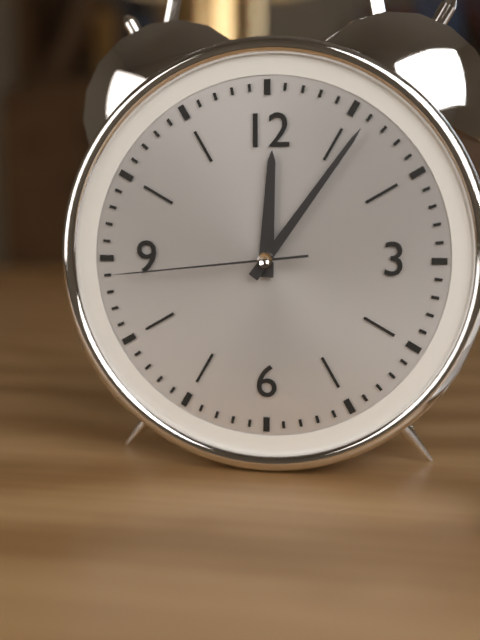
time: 12:06:44
